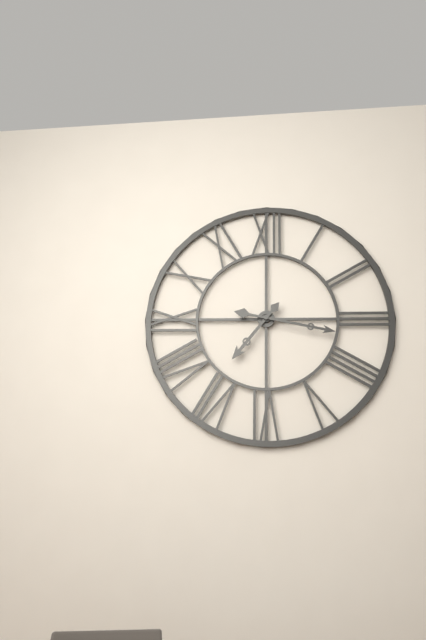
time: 7:17
